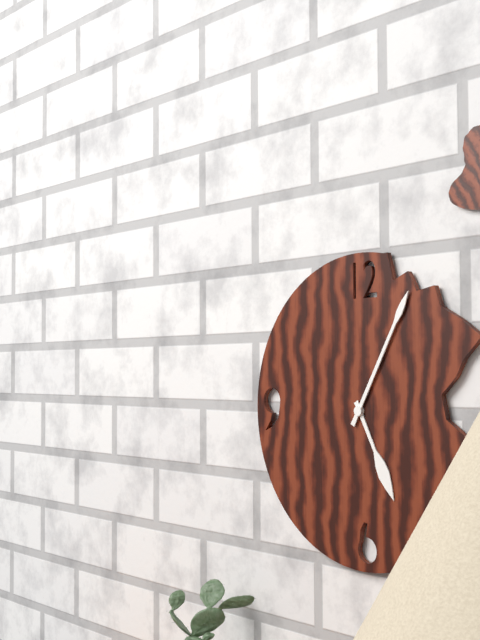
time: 5:05
